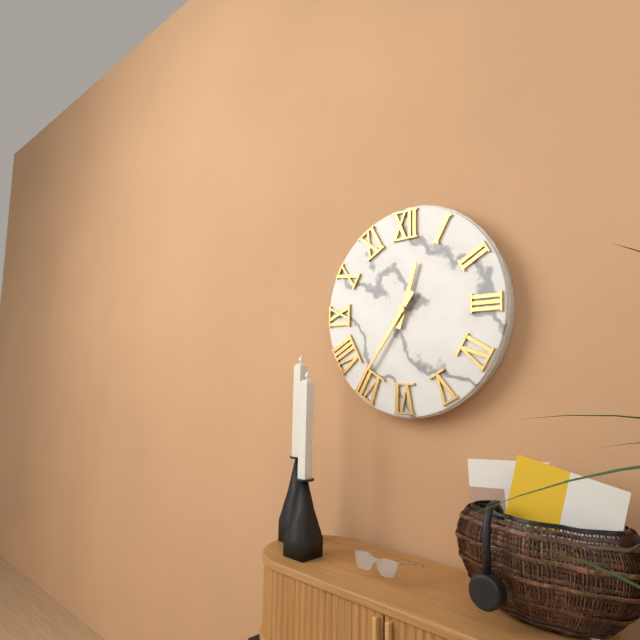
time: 12:36
